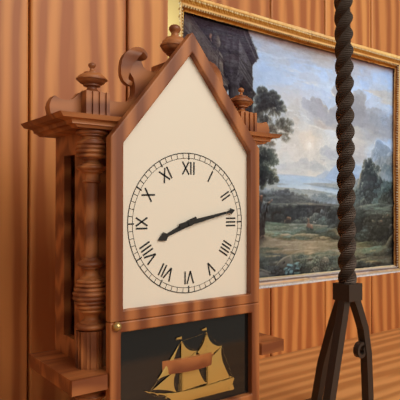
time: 8:13
